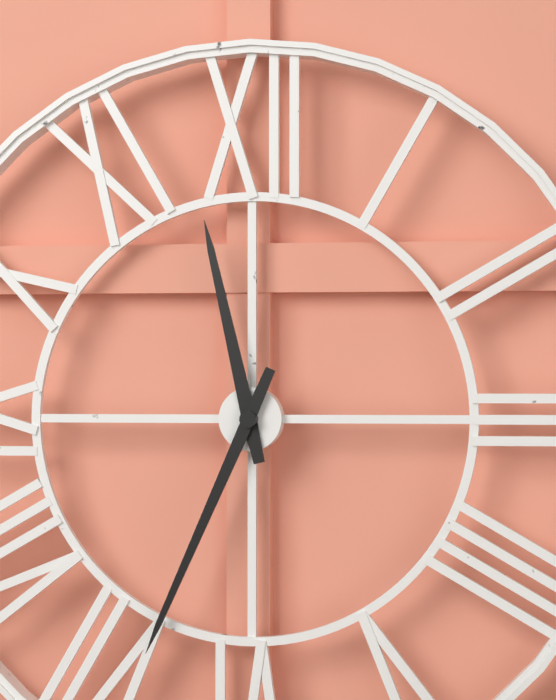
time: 11:34
